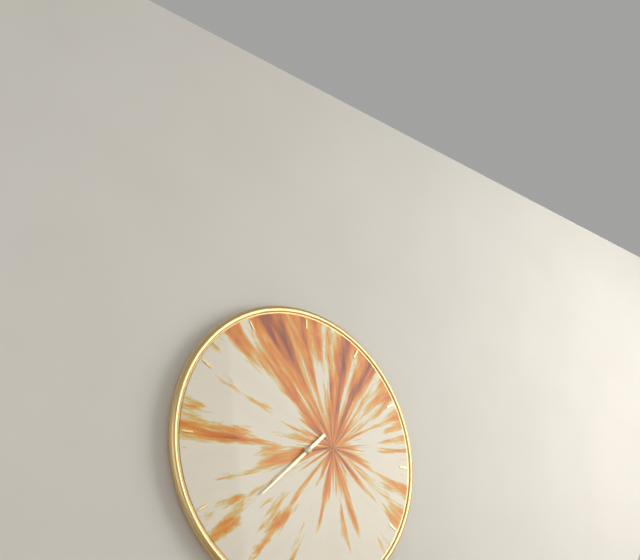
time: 7:38
